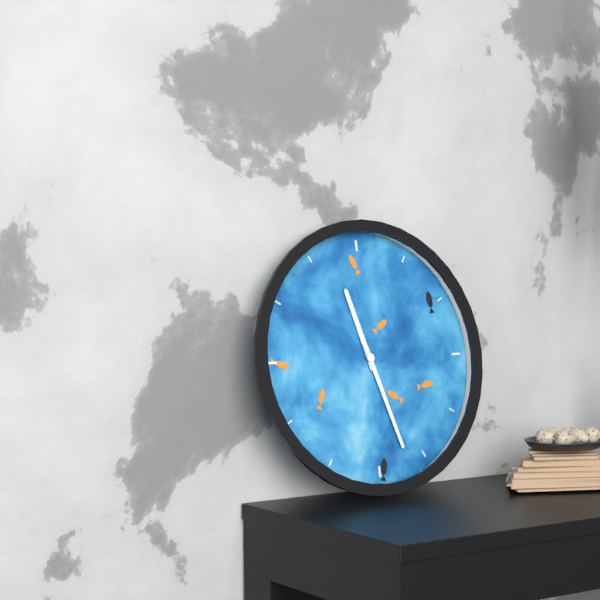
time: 11:27
